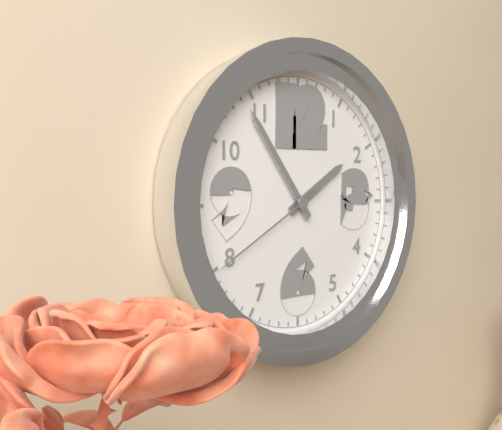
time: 1:54:40
